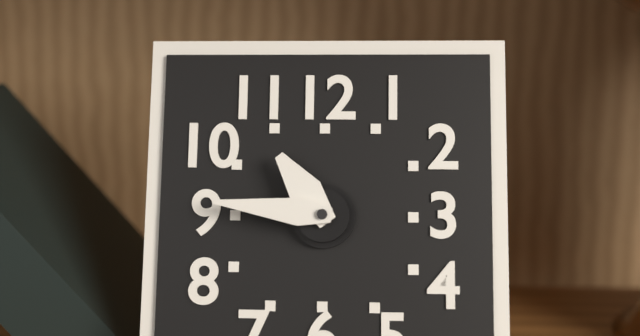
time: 10:46
